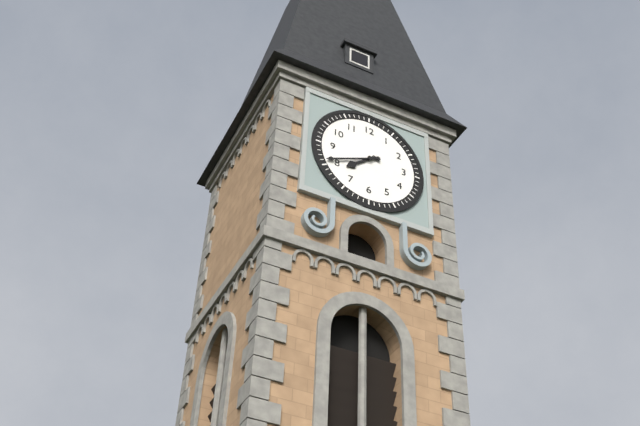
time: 7:41
